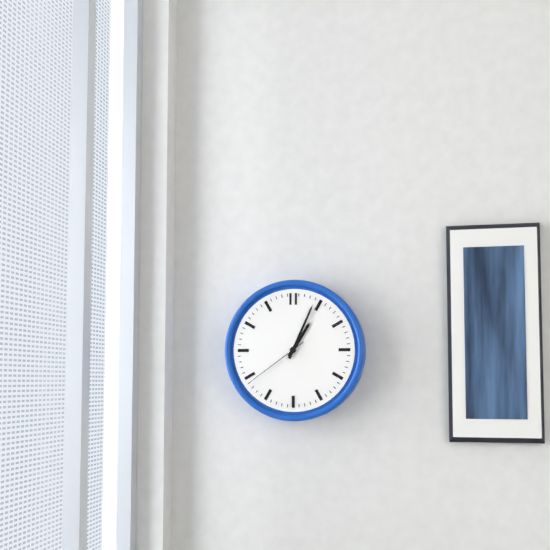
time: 1:04:39
